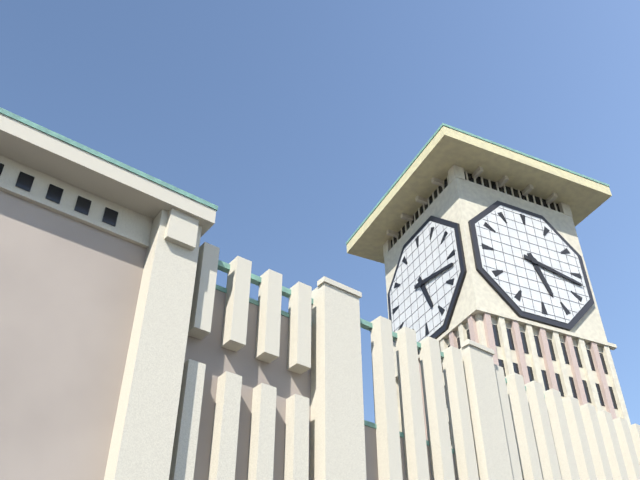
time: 5:17
